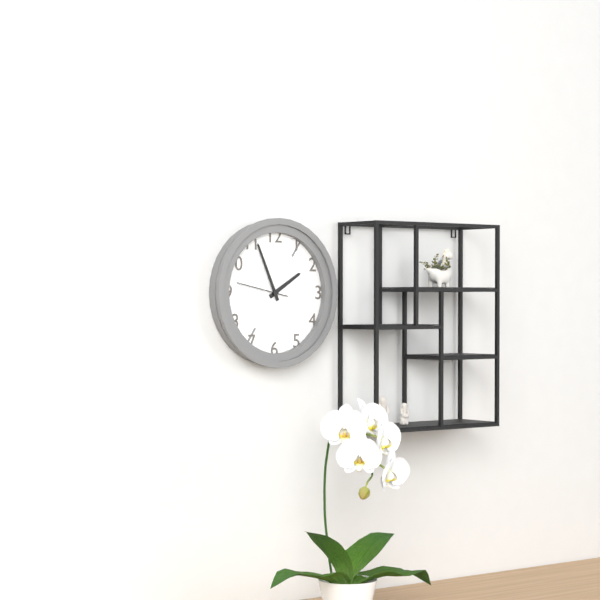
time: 1:56:47
